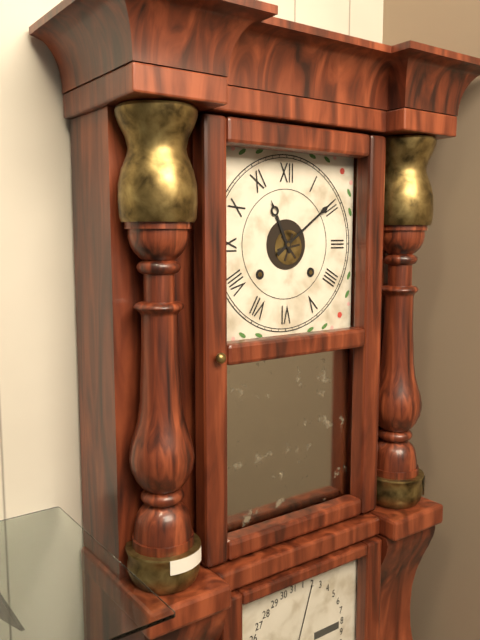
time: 11:09
